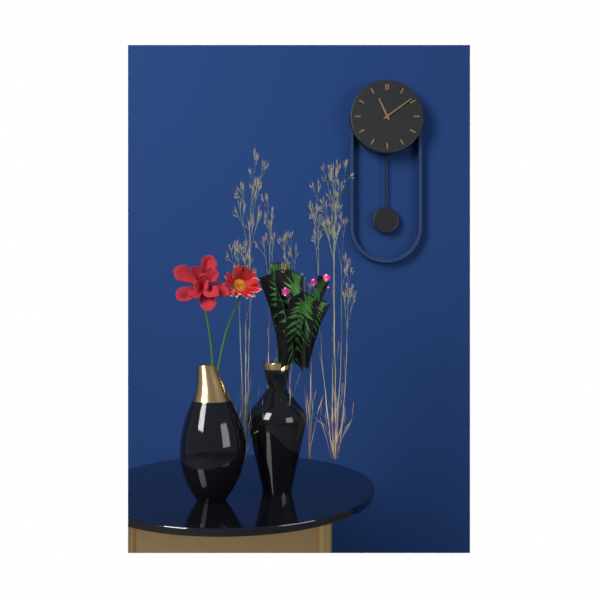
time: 11:09
